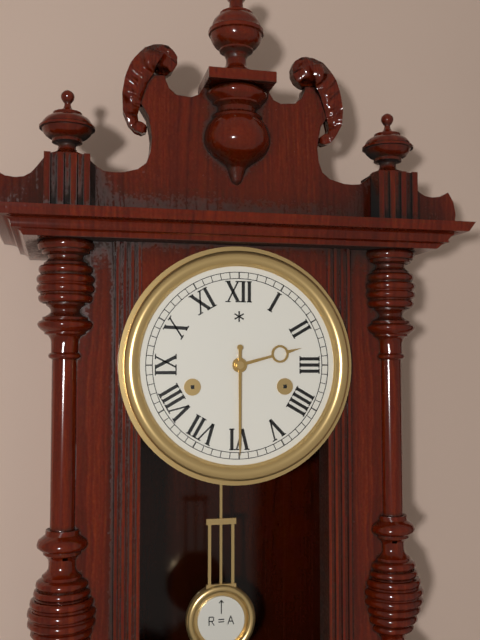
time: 2:30
